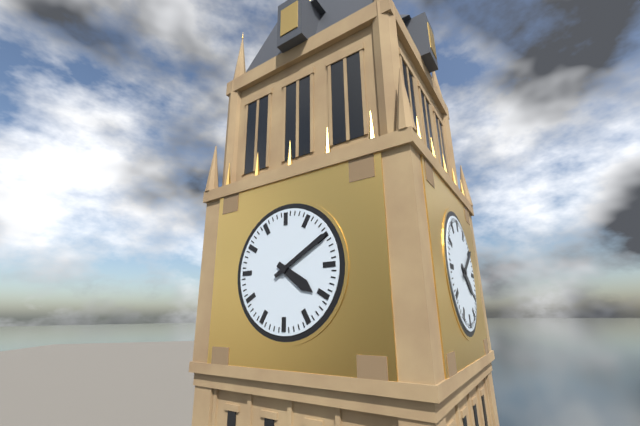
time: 4:10
